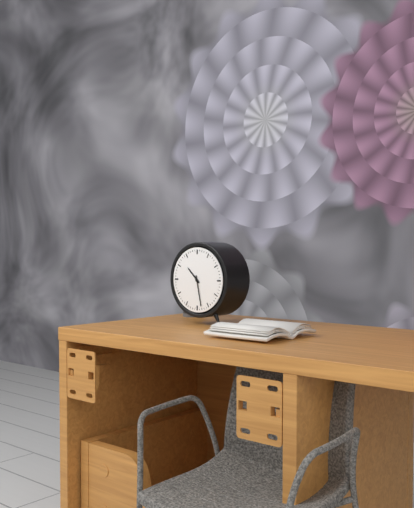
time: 10:28
